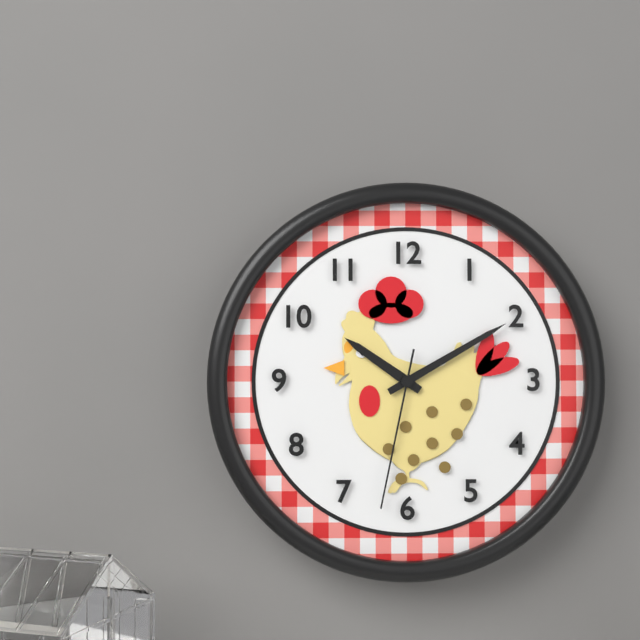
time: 10:10:32
